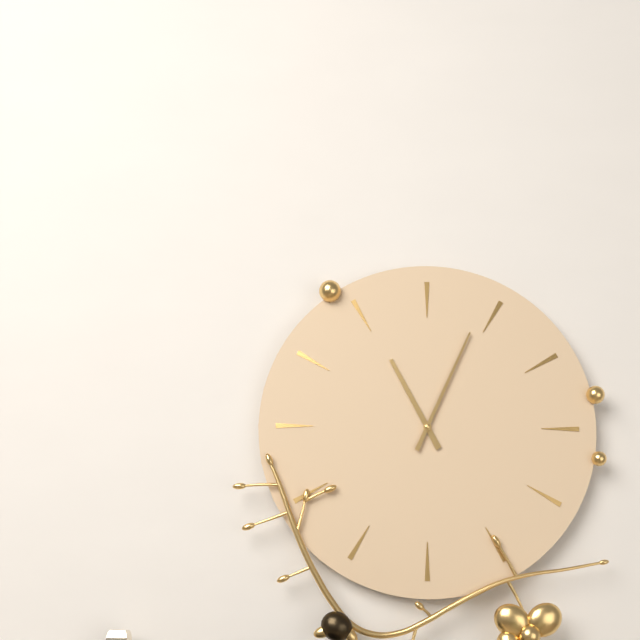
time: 11:04
